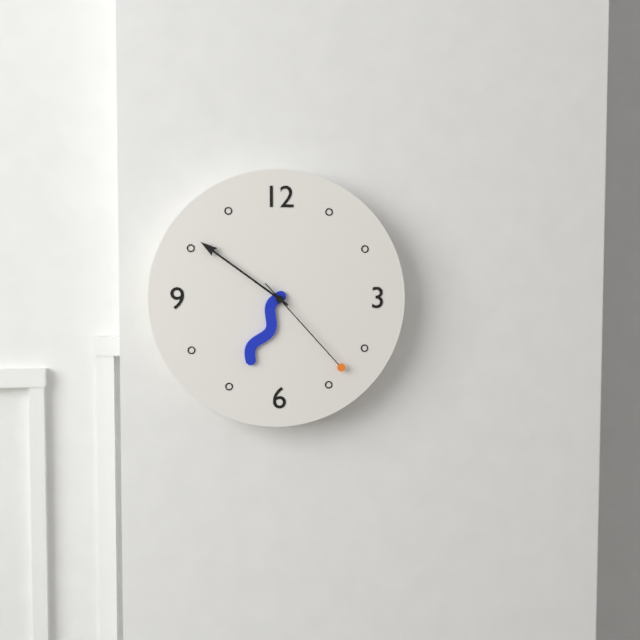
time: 6:51:23
